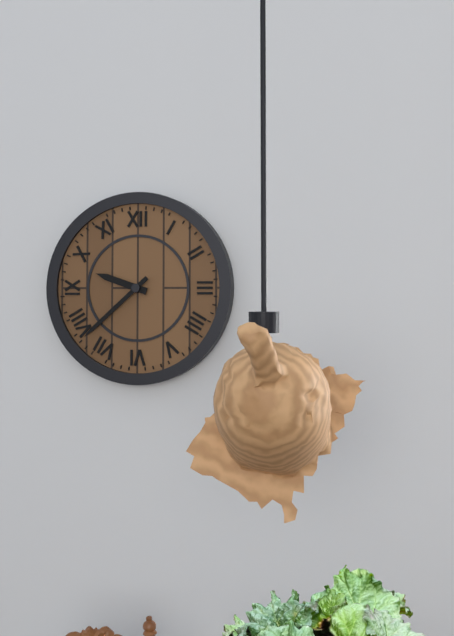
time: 9:38
